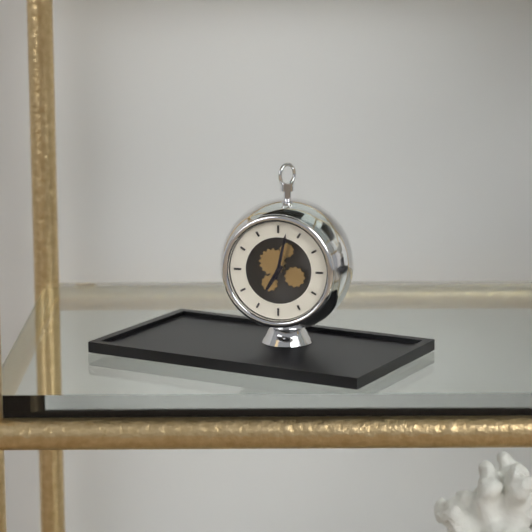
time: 7:02
